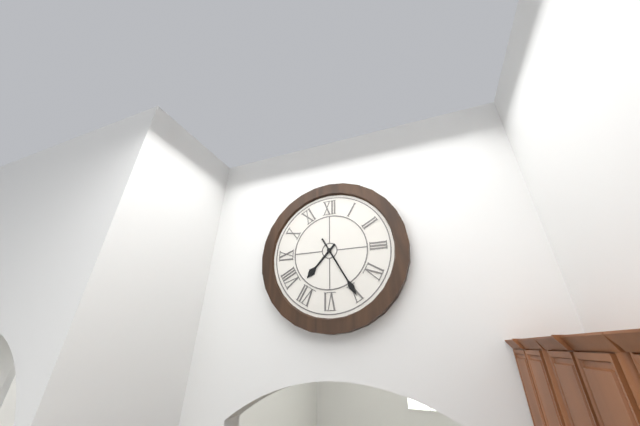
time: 7:25
